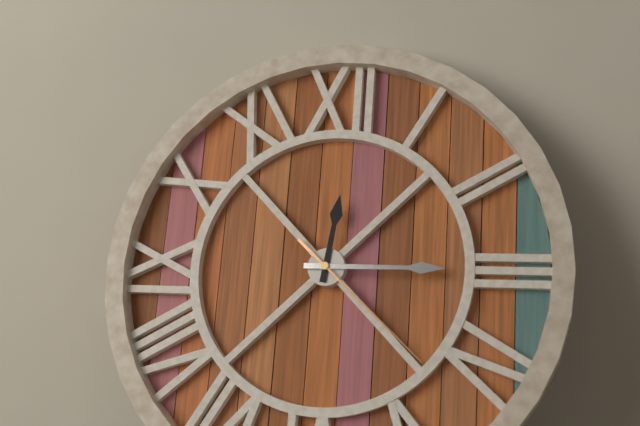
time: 12:15:22
